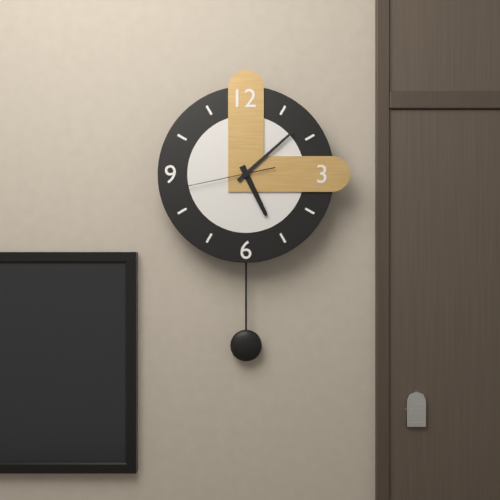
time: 5:08:43
